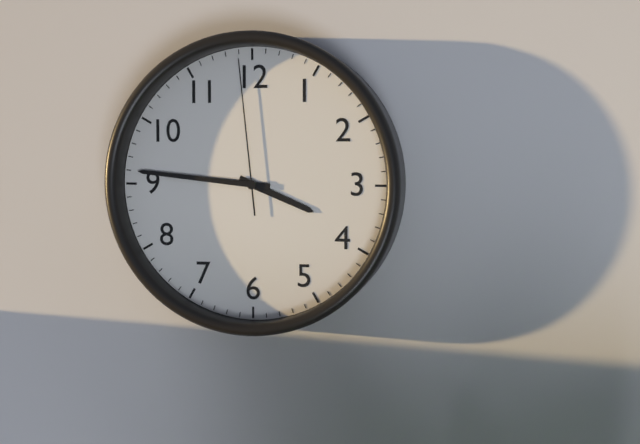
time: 3:46:59
